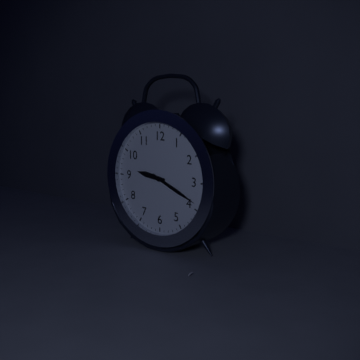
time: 9:19
